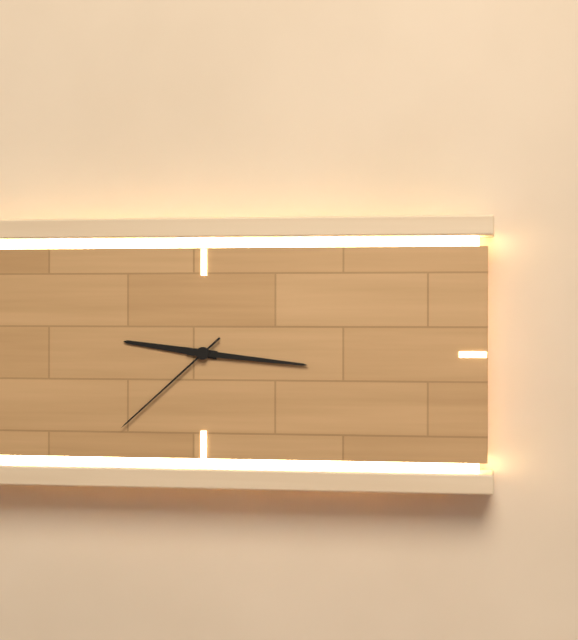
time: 9:16:38
